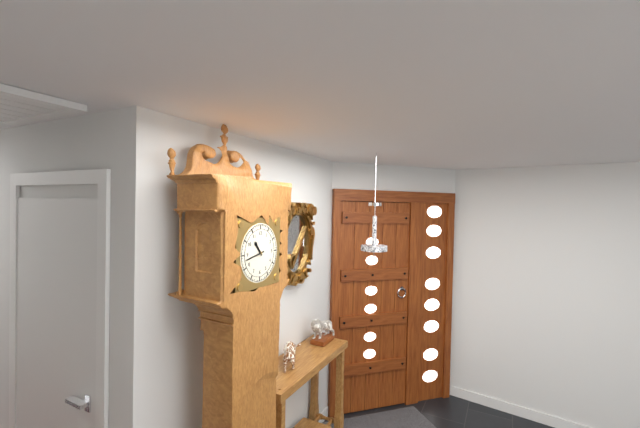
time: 10:43
